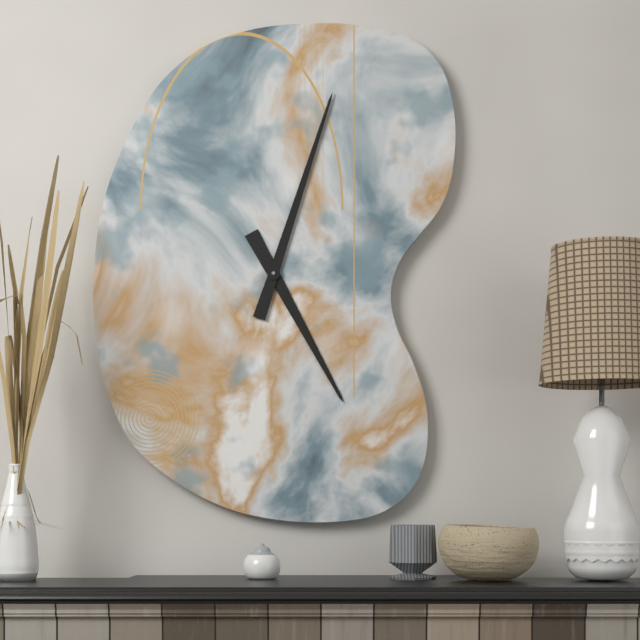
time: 5:03
